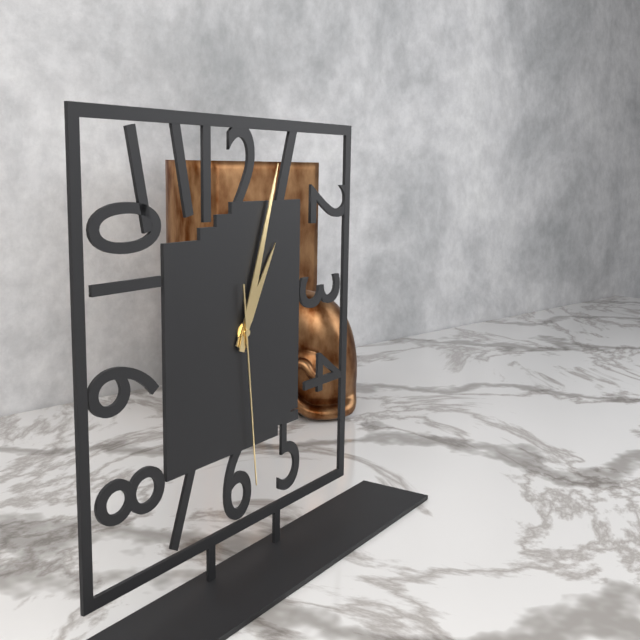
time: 1:03:29
